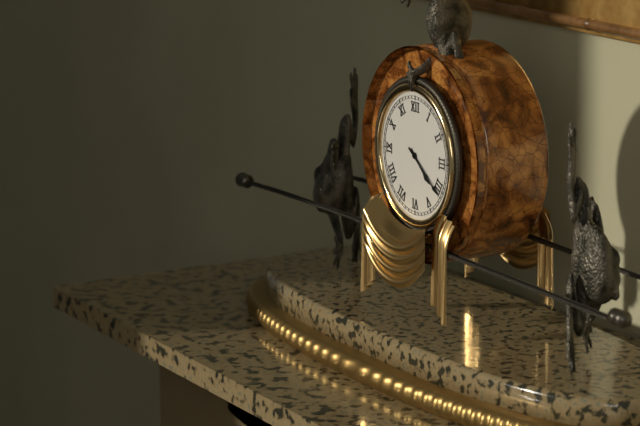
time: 4:21
